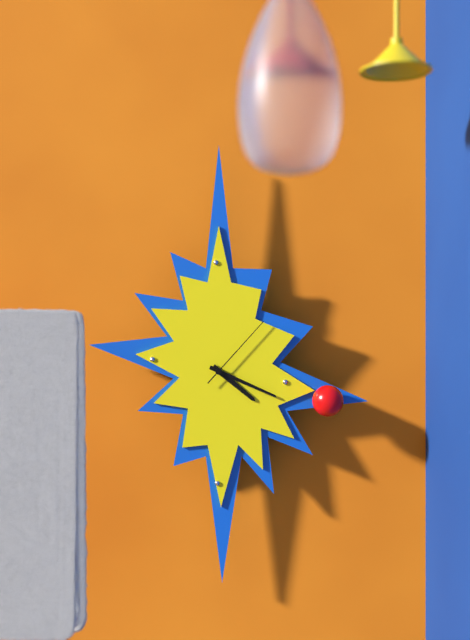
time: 4:19:07
